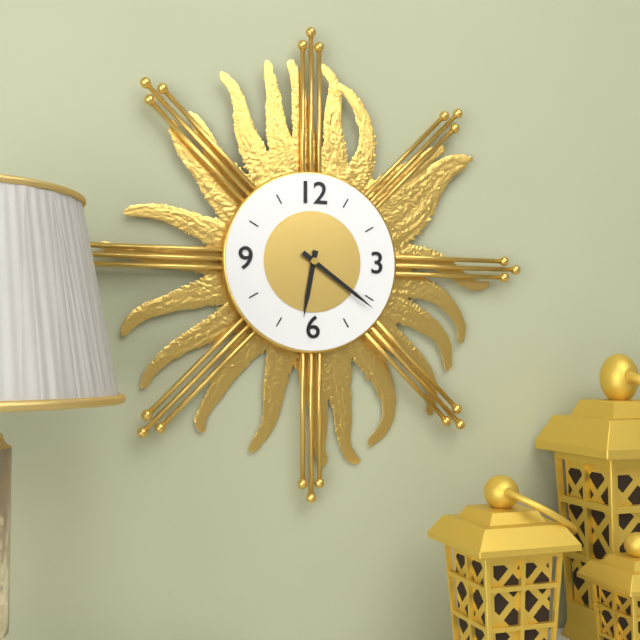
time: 6:21
